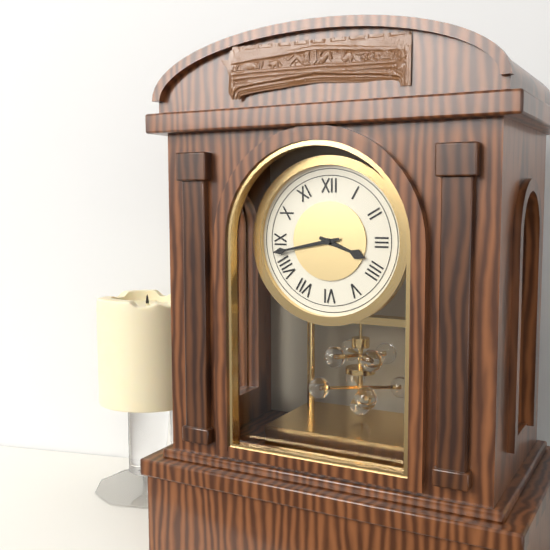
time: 3:43
